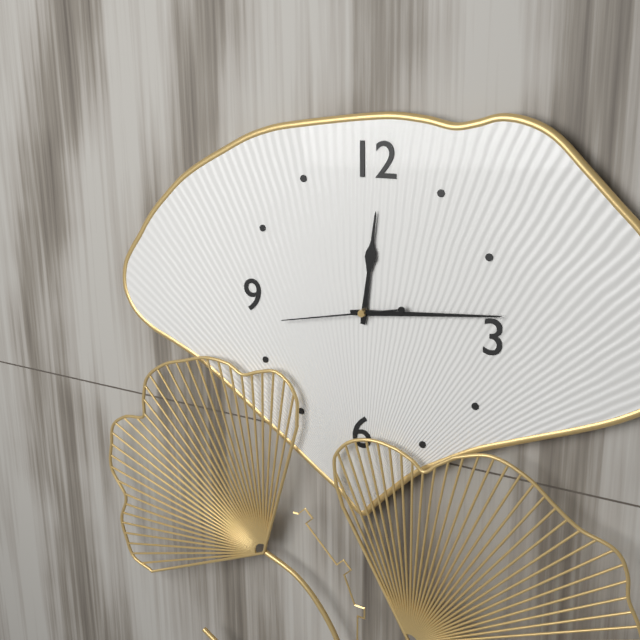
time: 12:14:43
